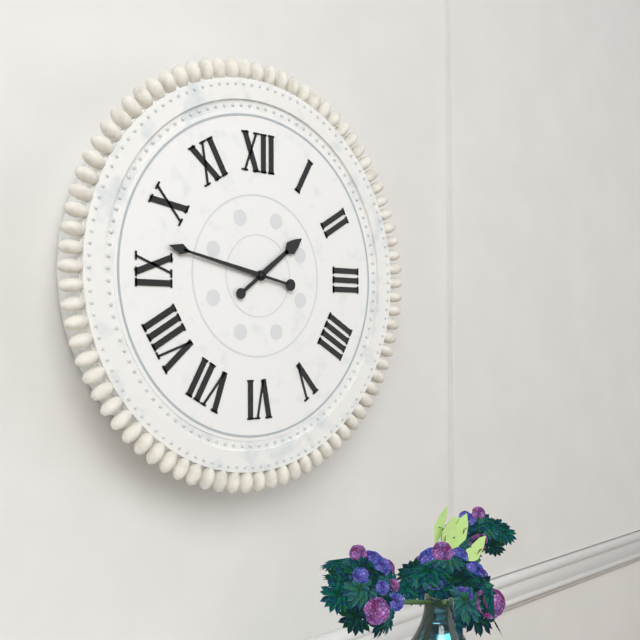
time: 1:47
